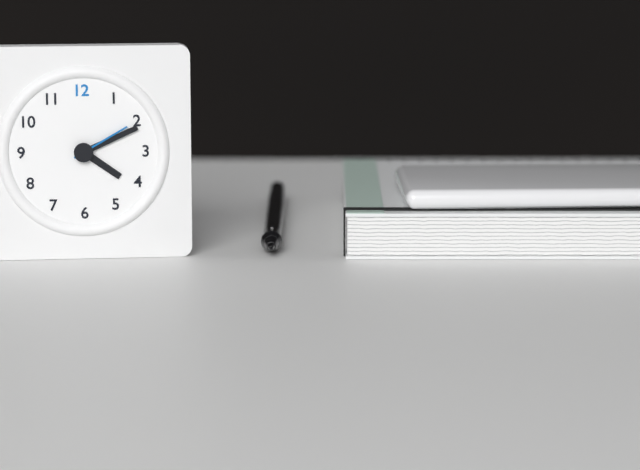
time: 4:11:10
